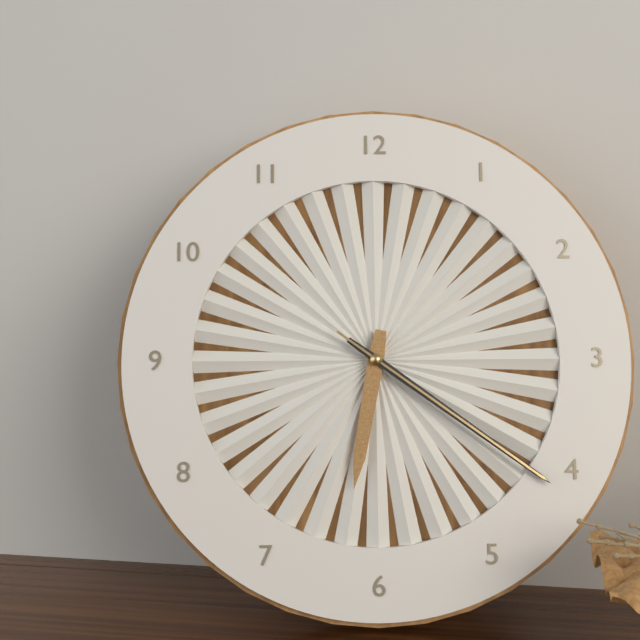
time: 6:21:21
